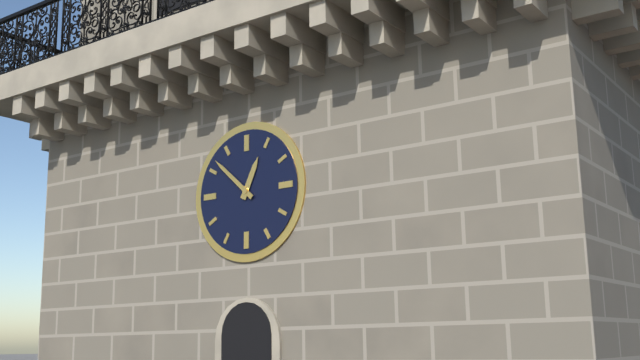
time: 12:52
